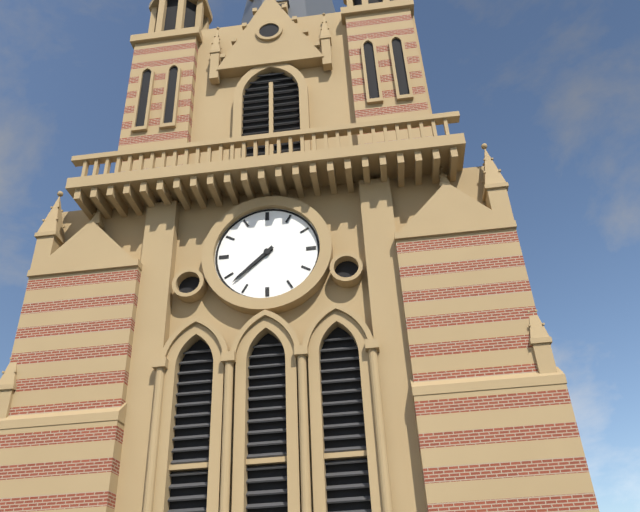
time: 7:38
